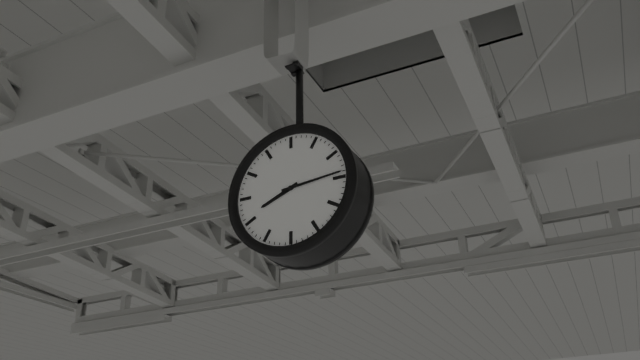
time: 8:14
